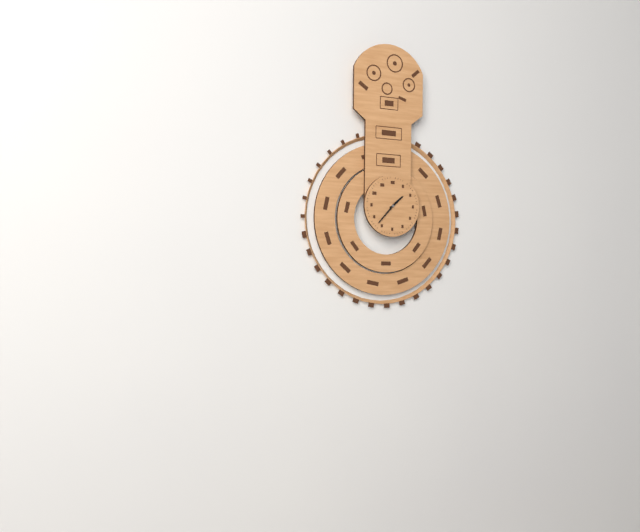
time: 1:37
